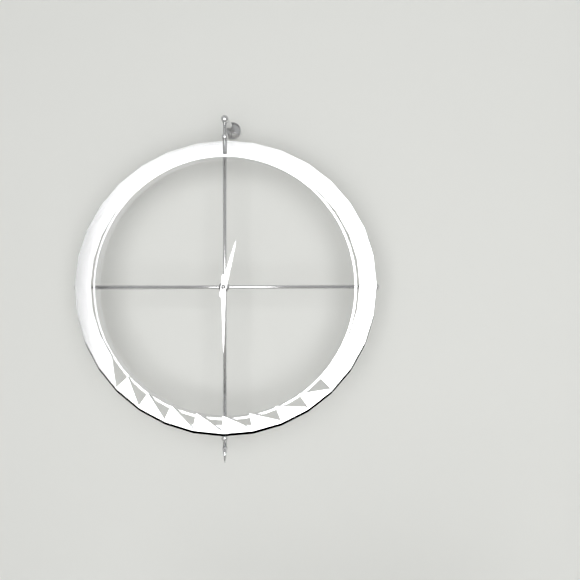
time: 12:30
